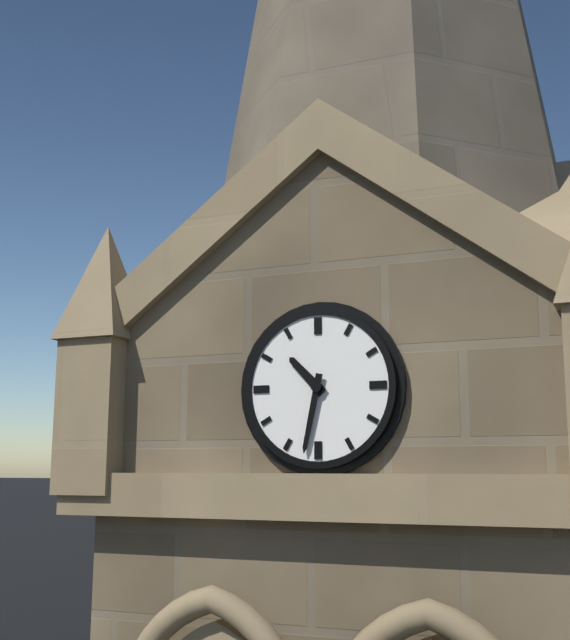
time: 10:32
